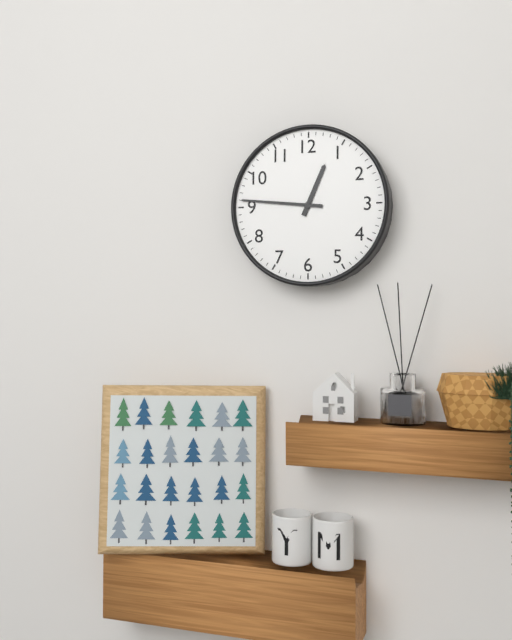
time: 12:46
